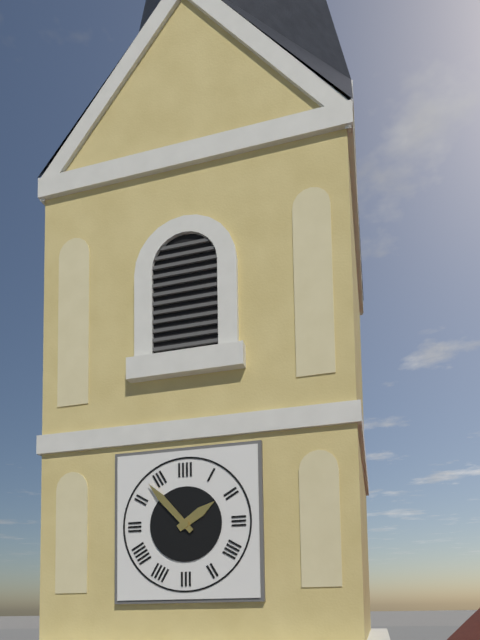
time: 1:53
